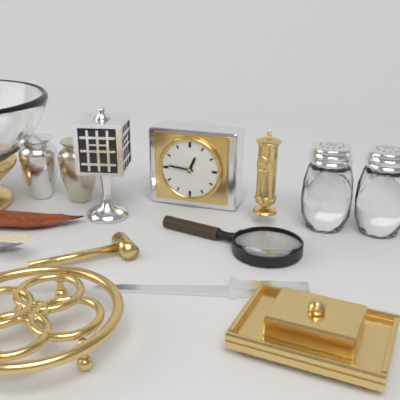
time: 12:46
